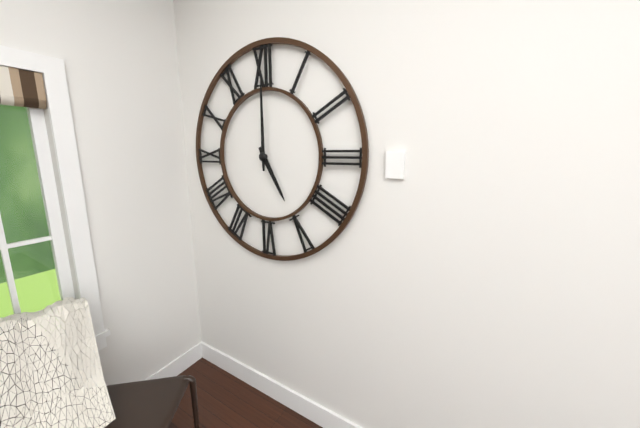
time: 5:00
